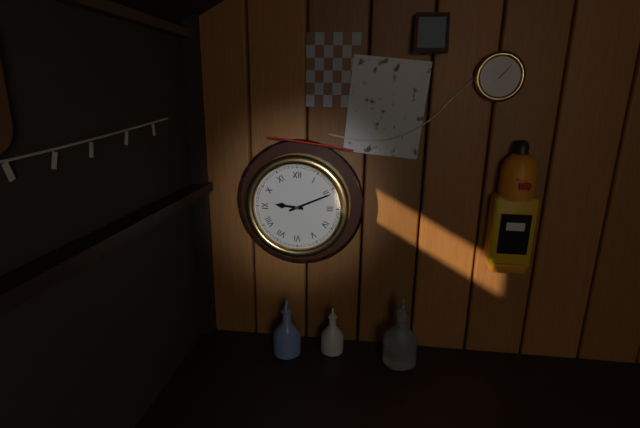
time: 9:11
